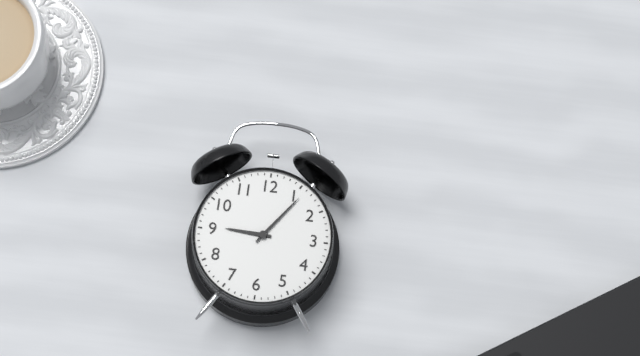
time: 9:06
